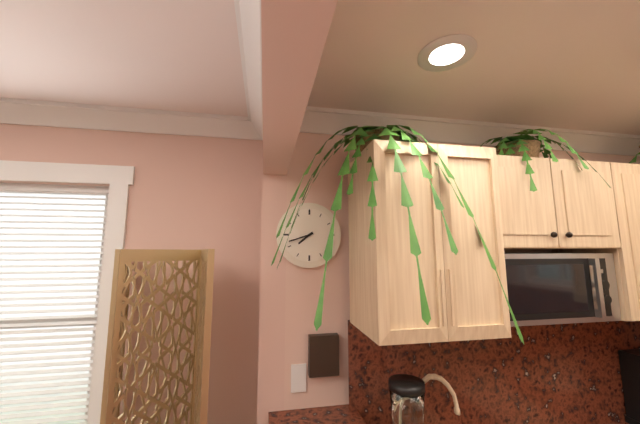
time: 7:42
